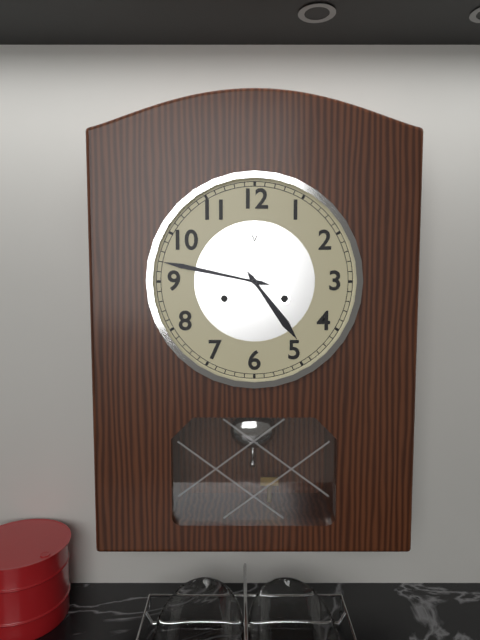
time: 4:47
